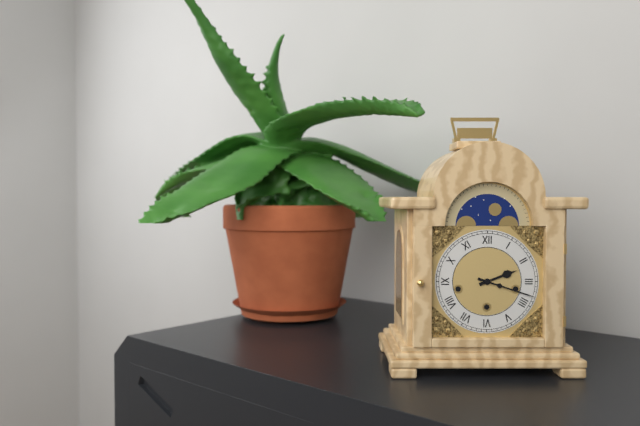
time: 2:18
